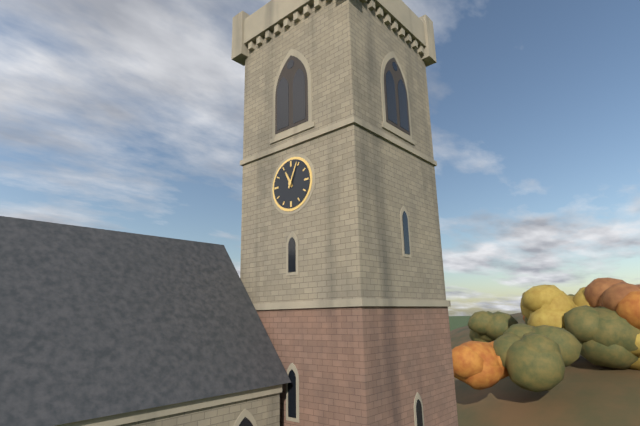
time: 11:04
